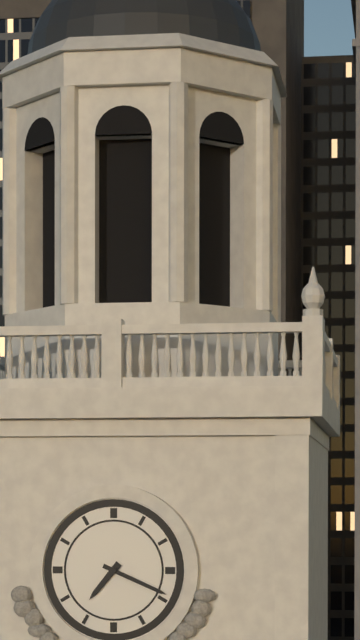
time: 7:19
